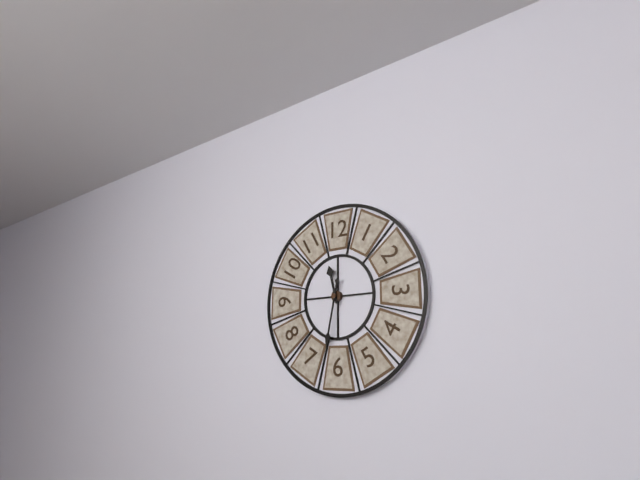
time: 11:32
